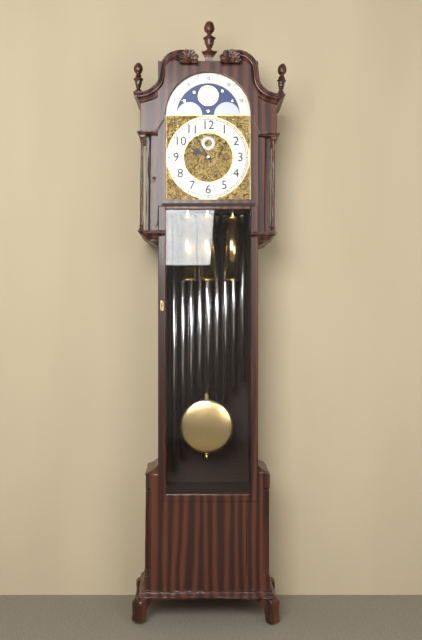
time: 9:55
